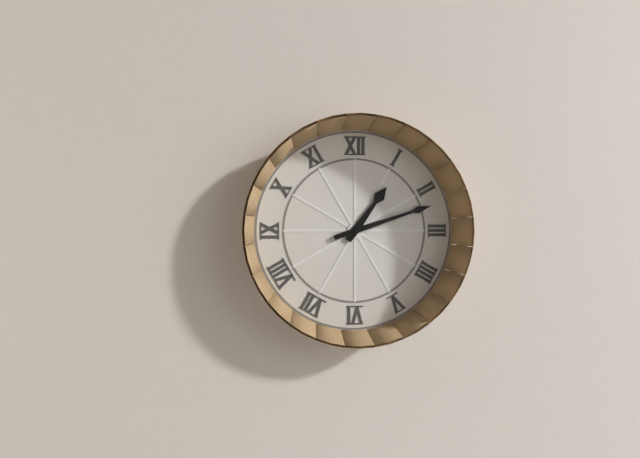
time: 1:12
